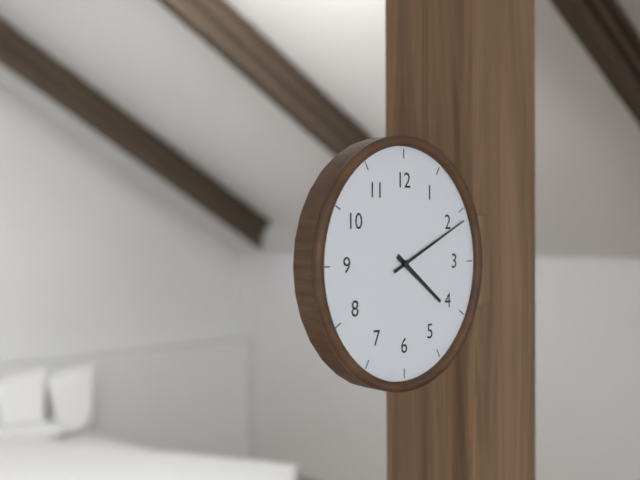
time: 4:11
